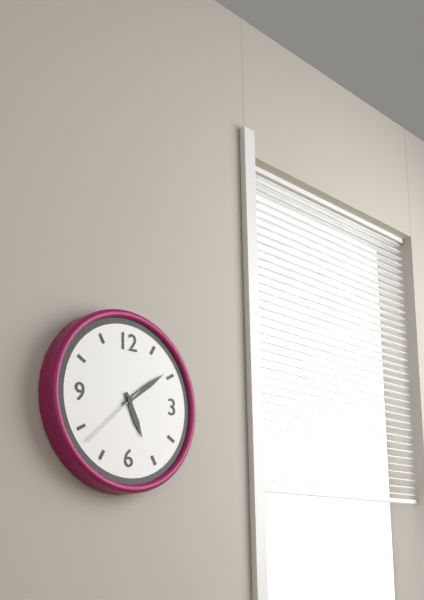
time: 5:09:38
